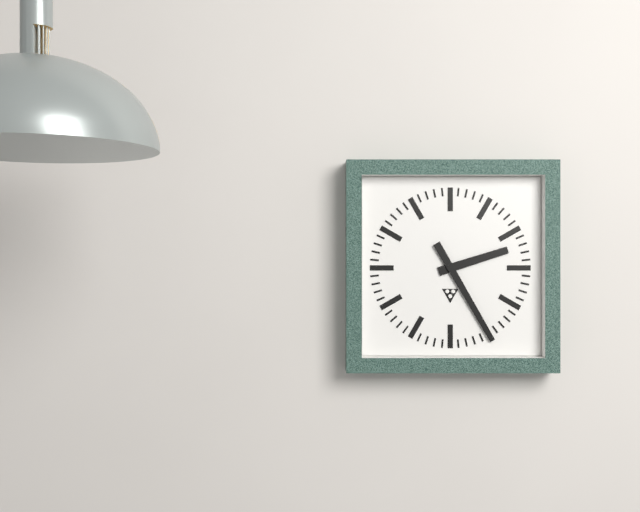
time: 2:25
